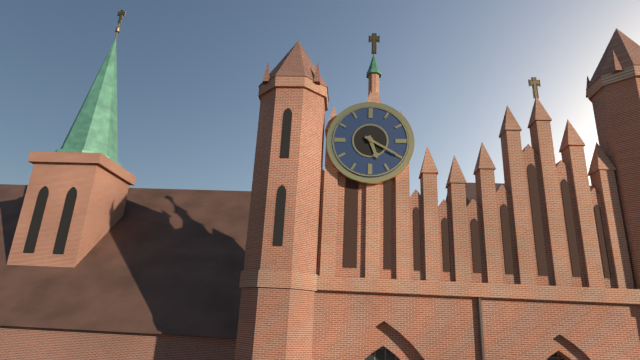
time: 5:20
